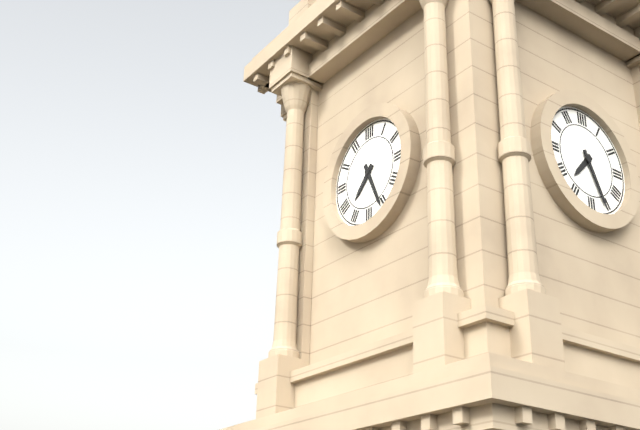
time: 7:26
